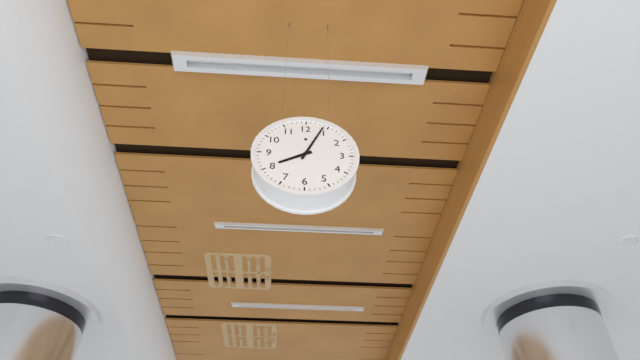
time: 8:04
